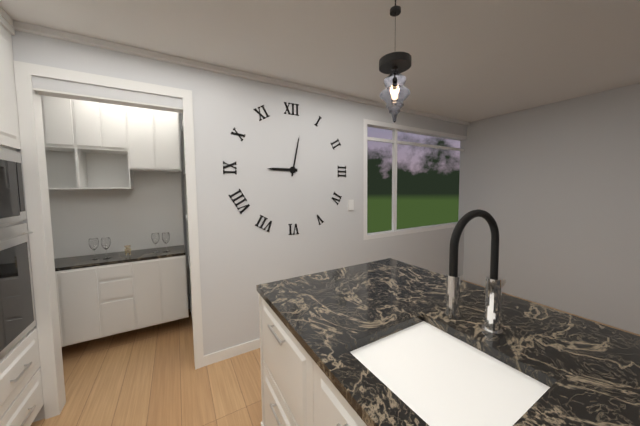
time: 9:02
